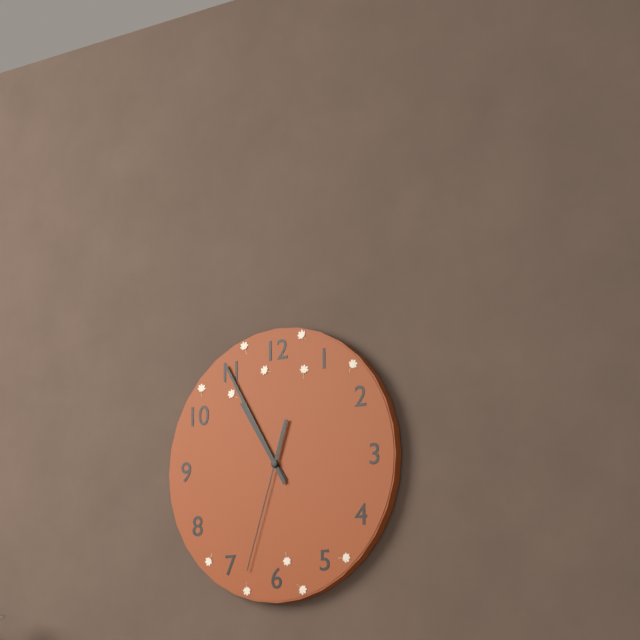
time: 10:55:33
